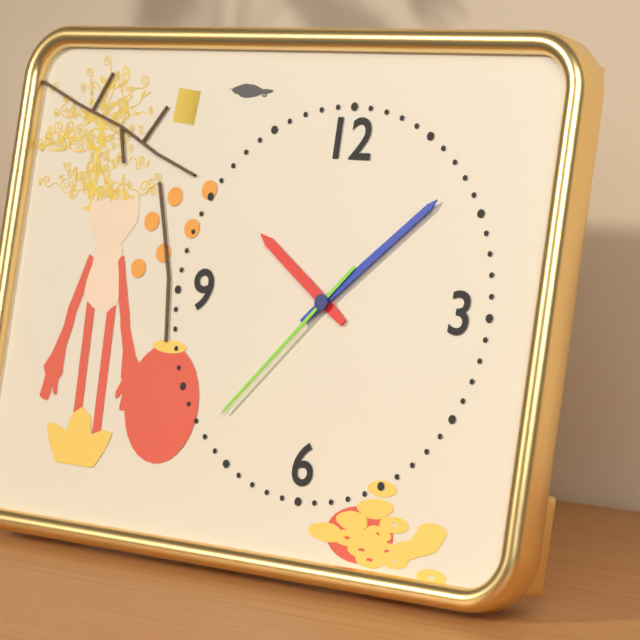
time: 10:08:37
